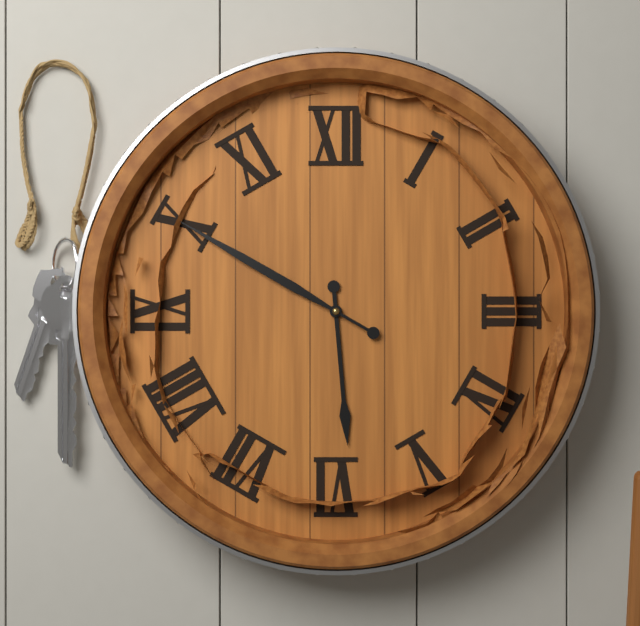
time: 5:50
